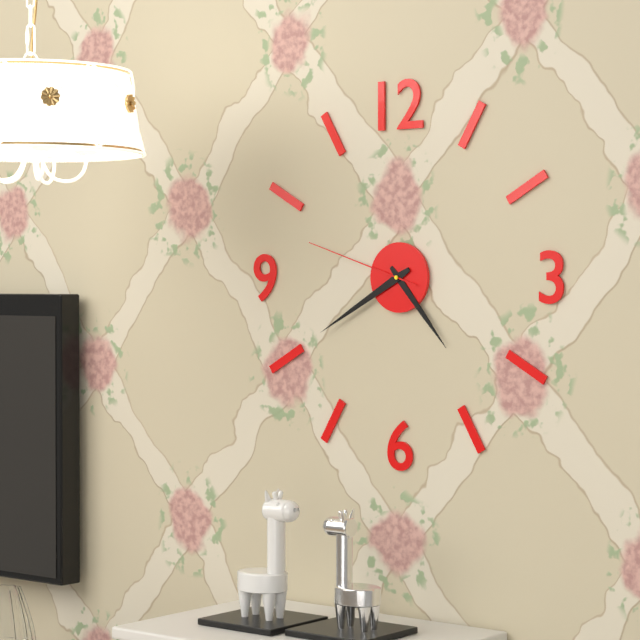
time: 4:40:48
